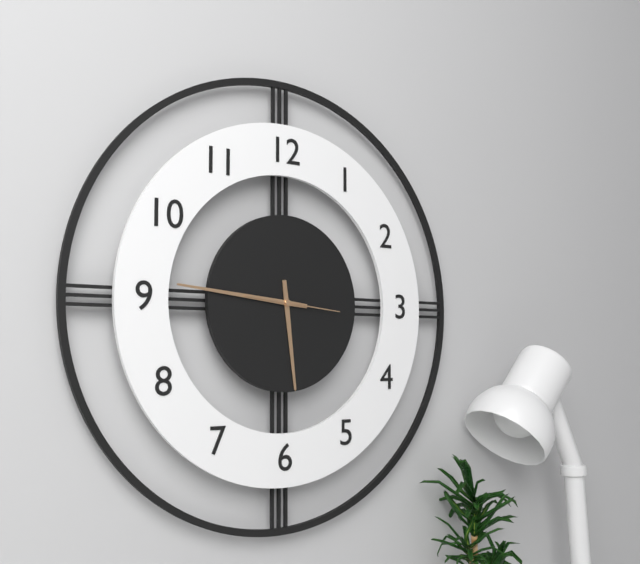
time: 5:46:16
